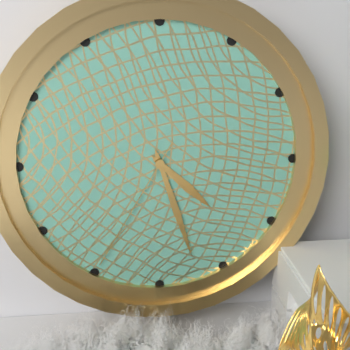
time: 4:27:35
